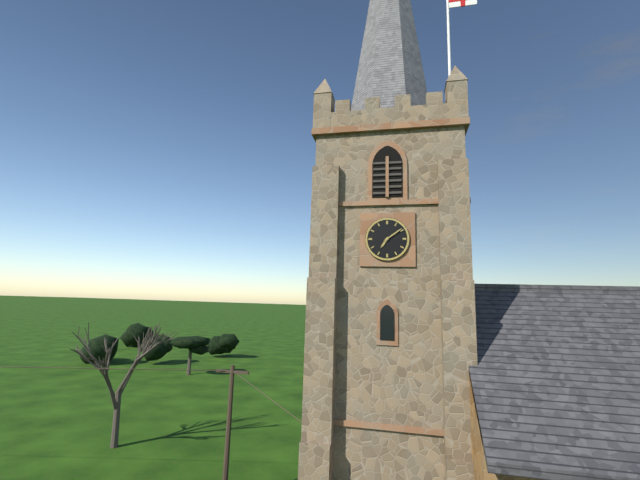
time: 7:09
